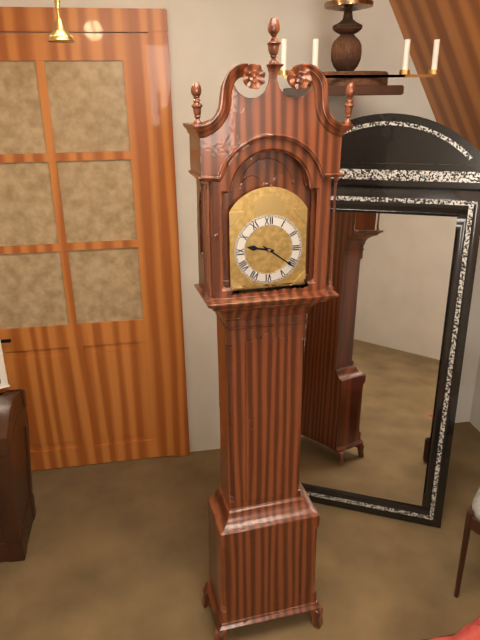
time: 9:21
